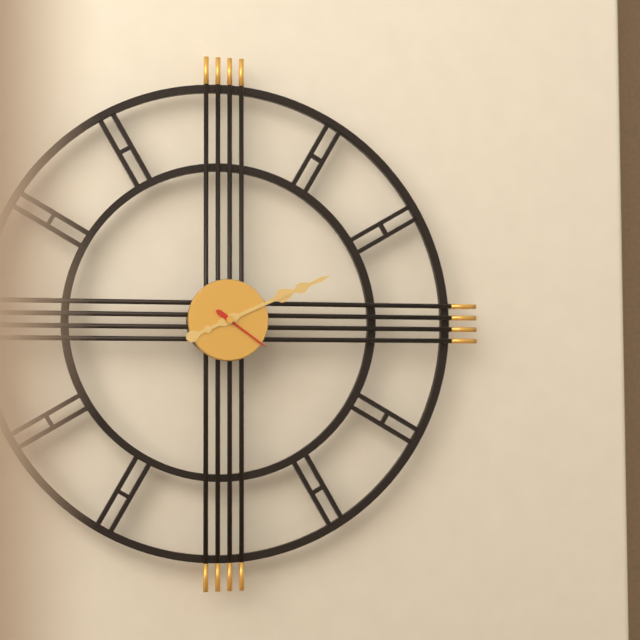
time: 2:11:21
